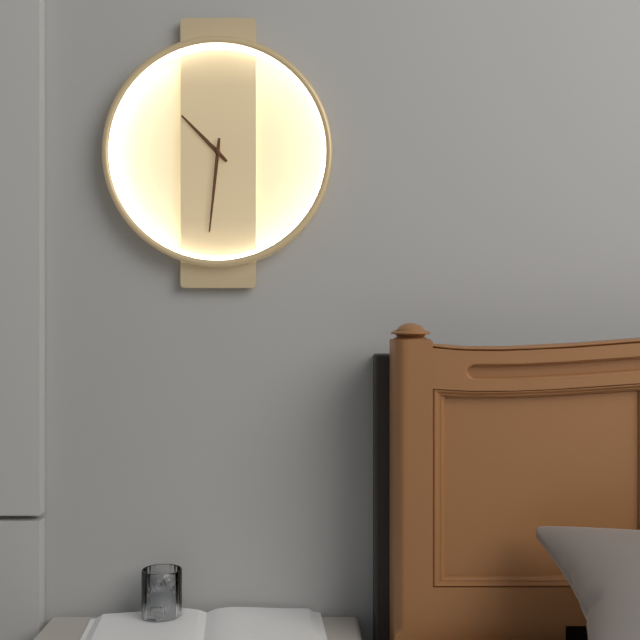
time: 10:31
